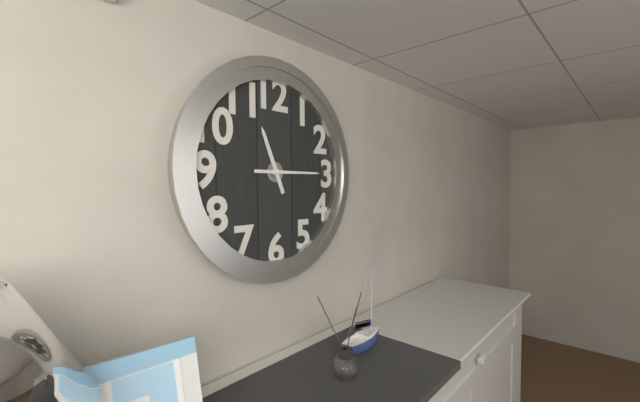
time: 11:15
